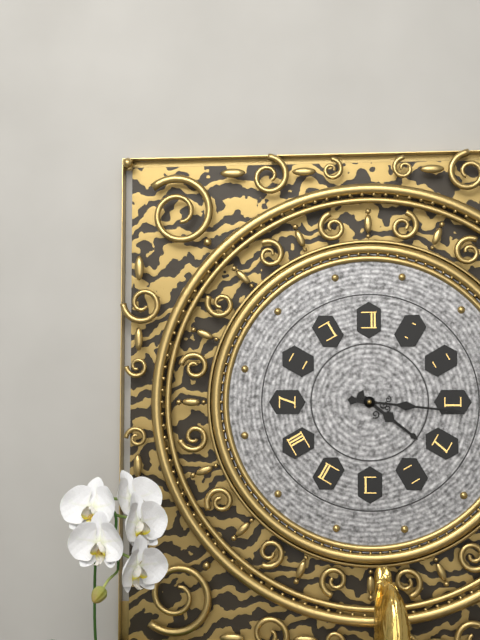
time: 4:16
